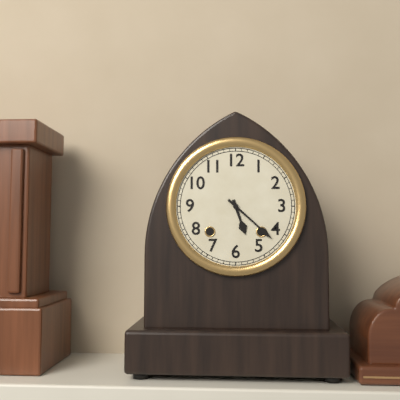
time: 5:22
